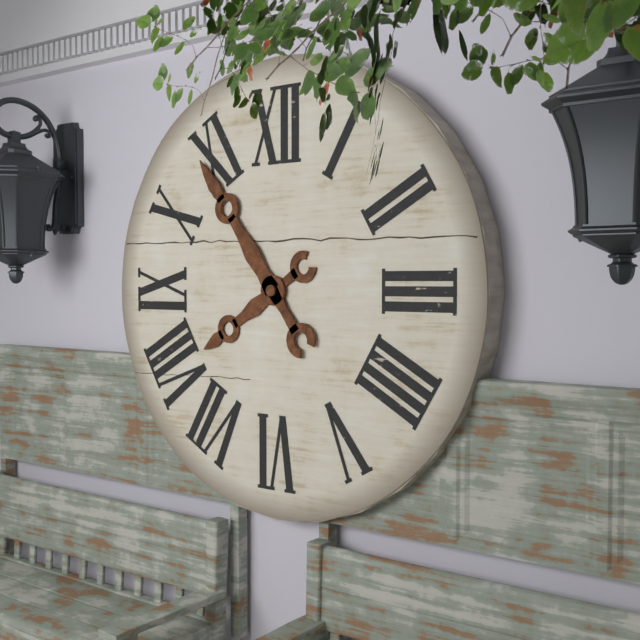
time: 7:54
